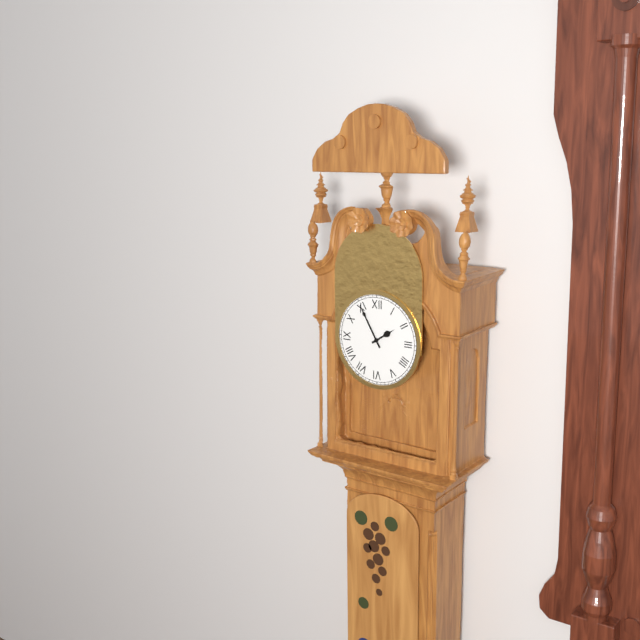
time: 1:55
